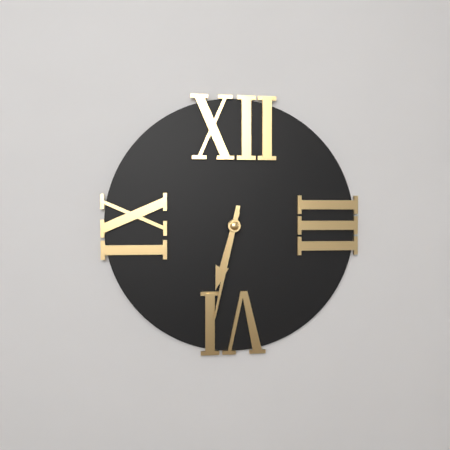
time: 6:32
